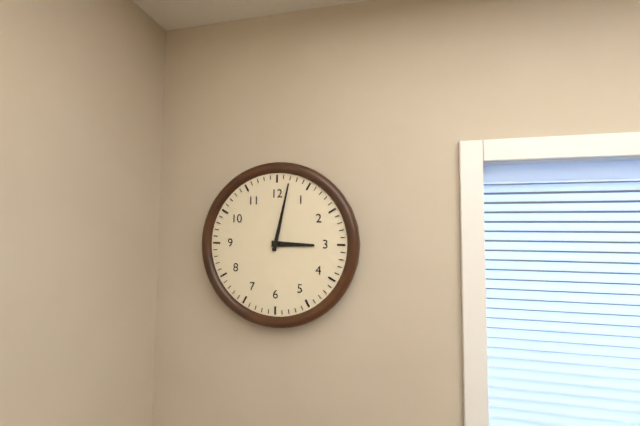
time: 3:02
